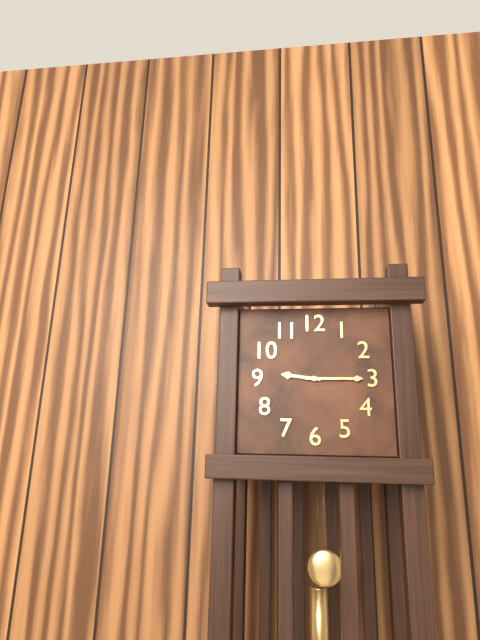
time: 9:15
